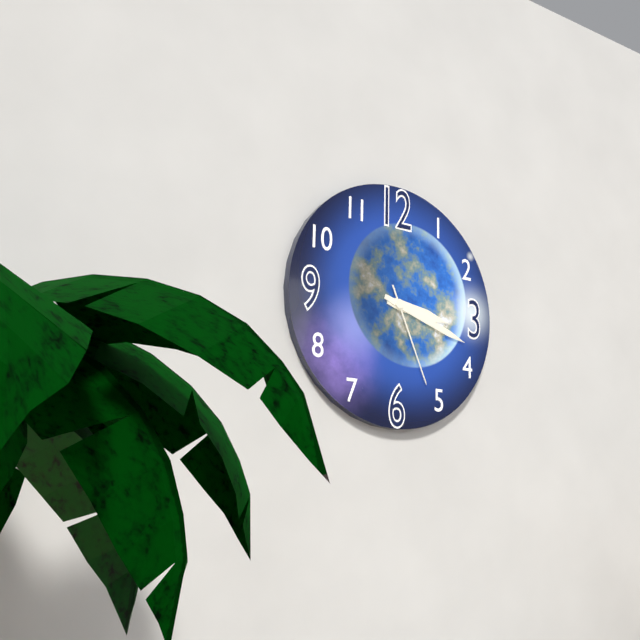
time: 3:18:26
